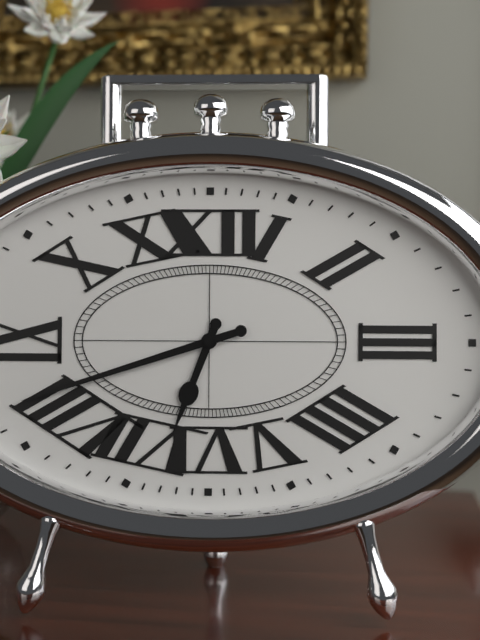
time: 6:42
